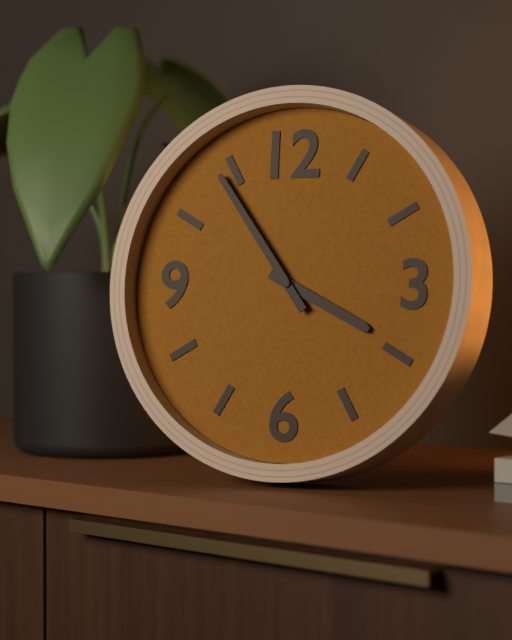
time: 3:54
